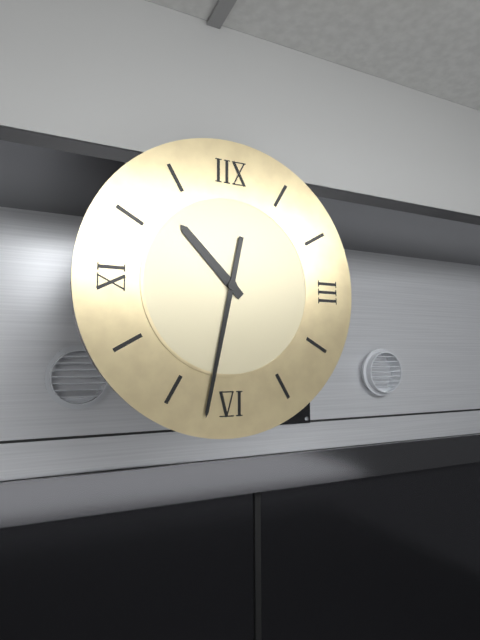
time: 10:32
